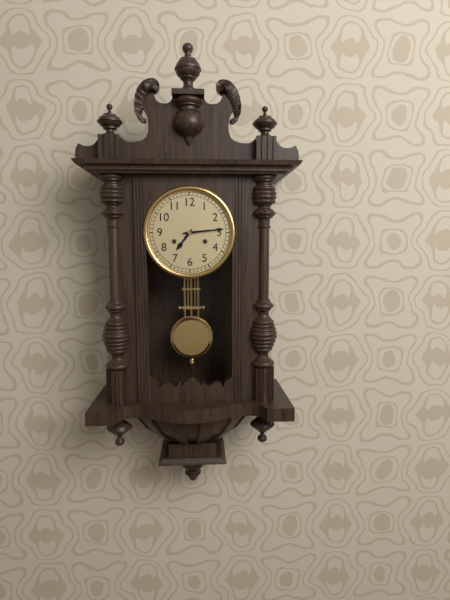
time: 7:14
